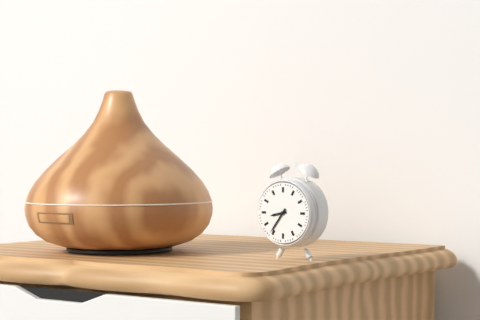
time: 8:36
